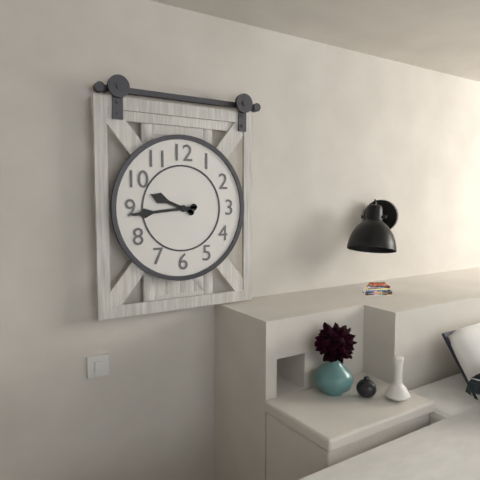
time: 9:44
